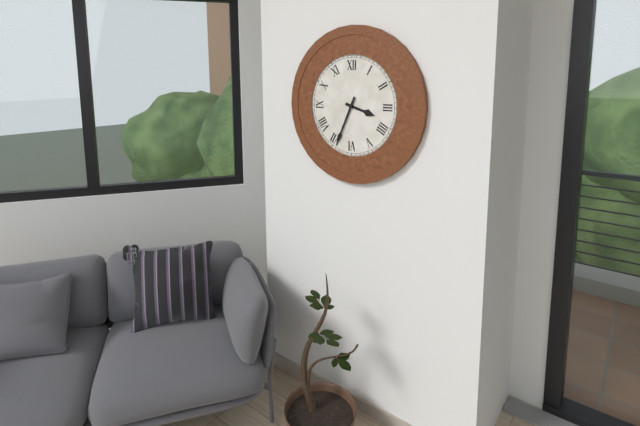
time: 3:34
